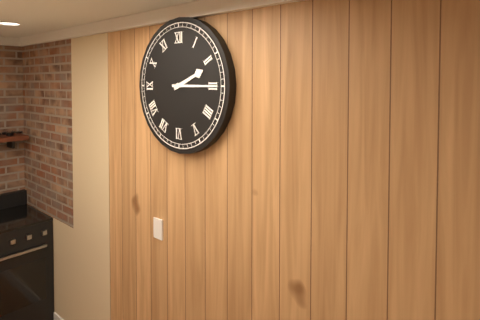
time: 2:15
